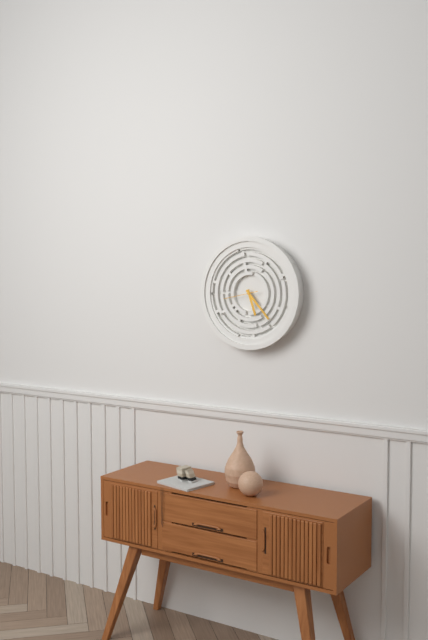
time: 5:23
